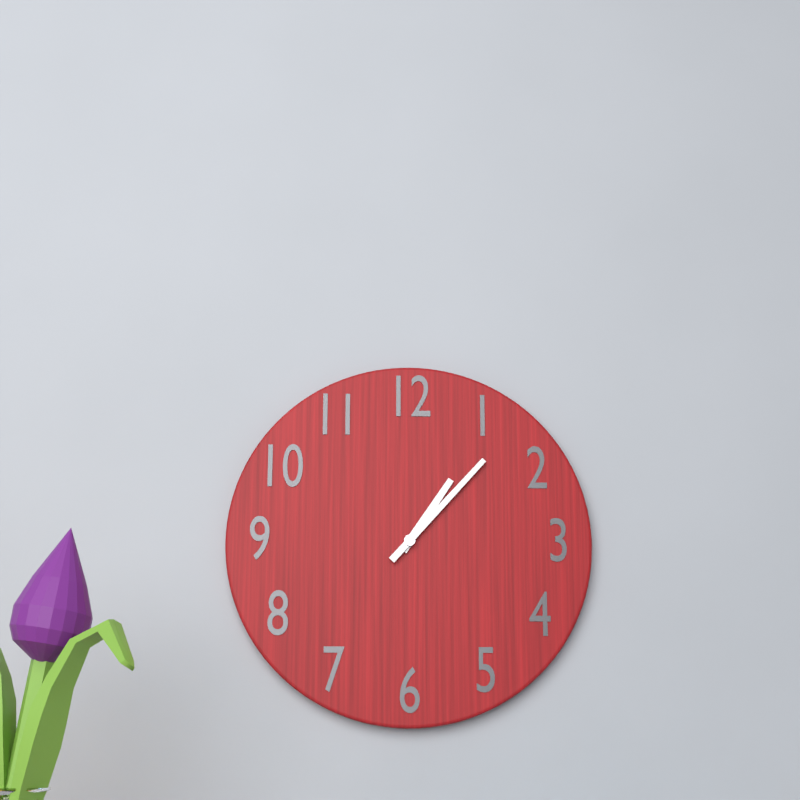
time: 1:07
